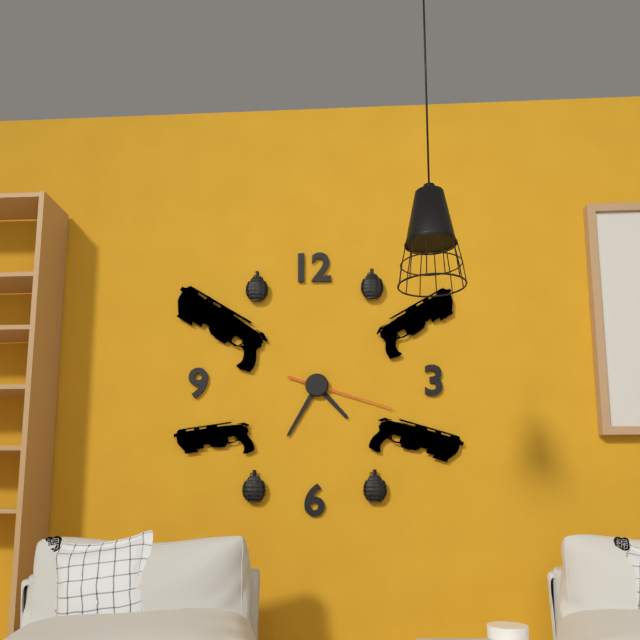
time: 4:35:18
